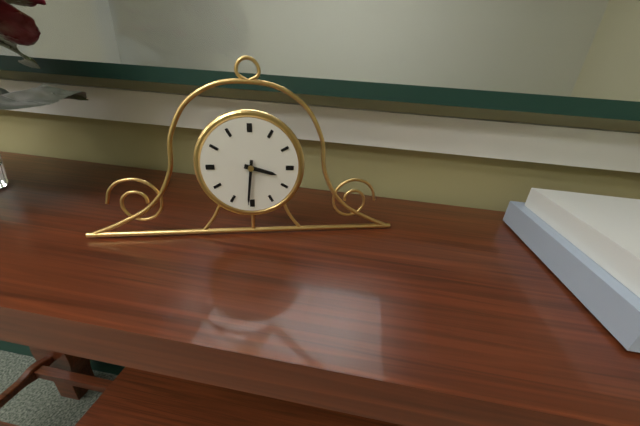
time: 3:31
